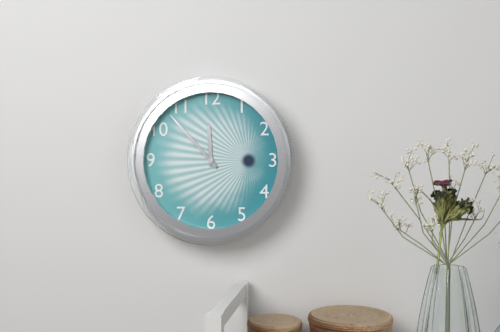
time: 11:53
